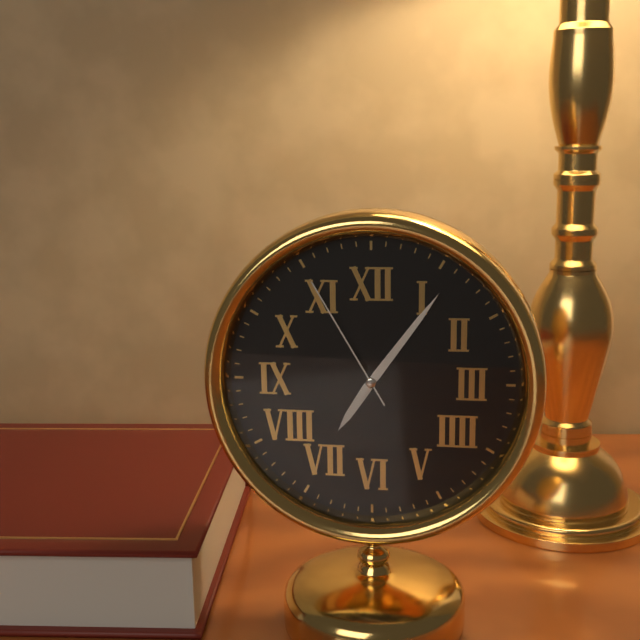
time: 7:06:55
